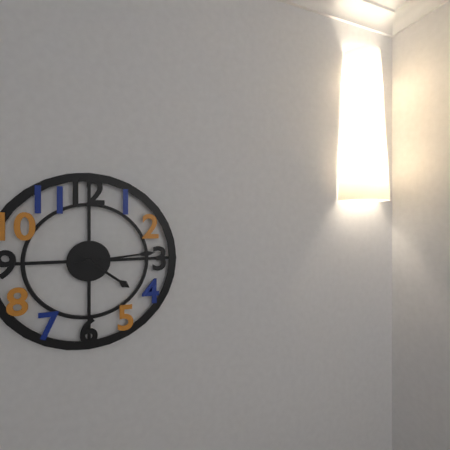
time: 4:14
